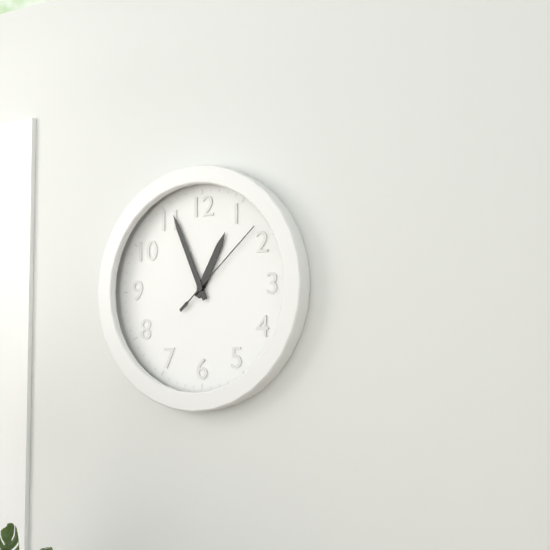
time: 12:56:08
